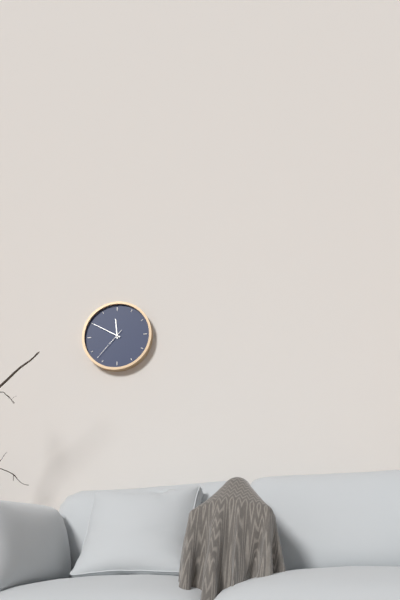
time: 11:50
